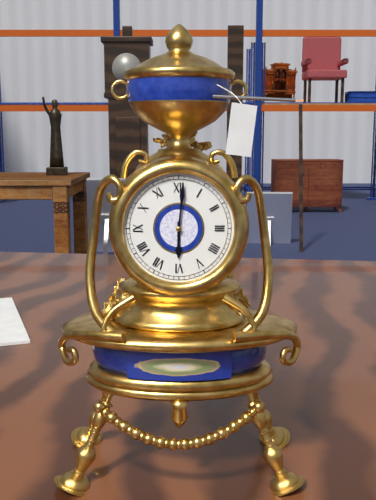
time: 6:01
